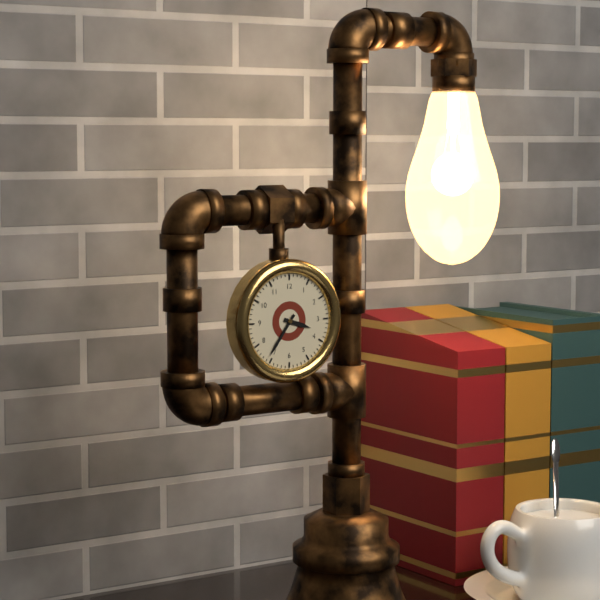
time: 3:36
